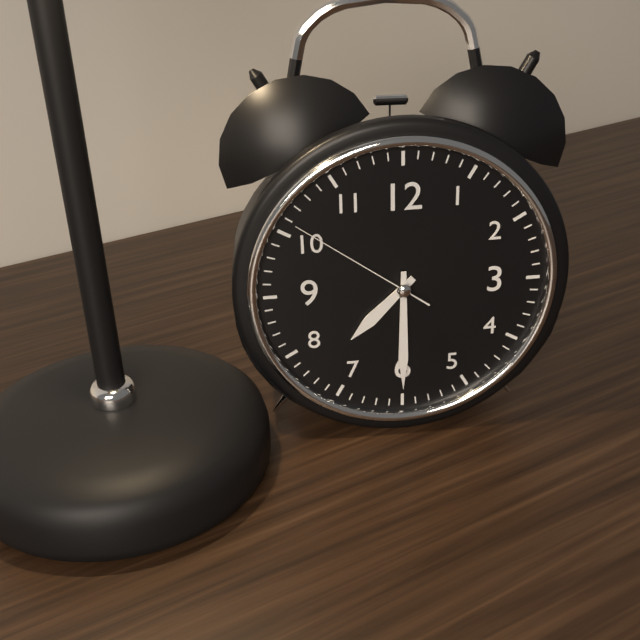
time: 7:30:51
